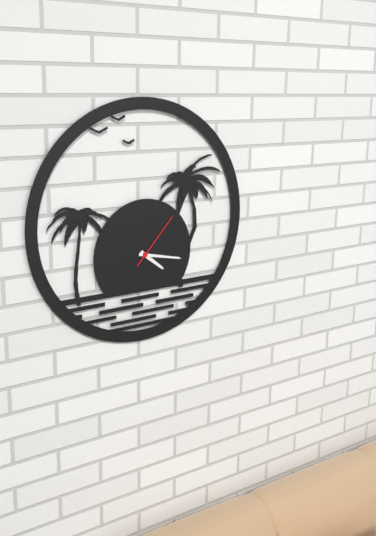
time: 4:17:07
